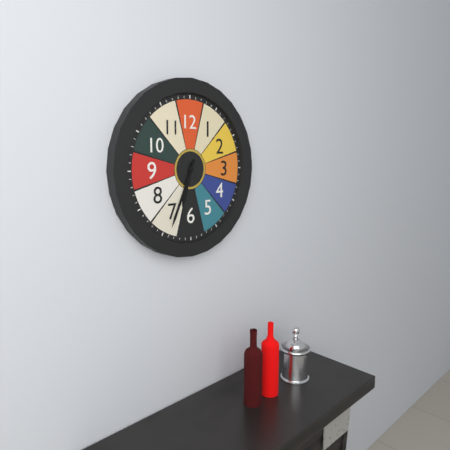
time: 6:34
